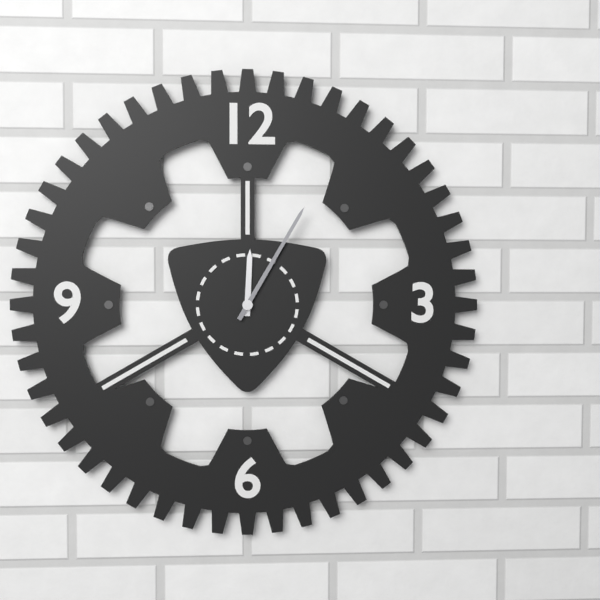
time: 12:05
